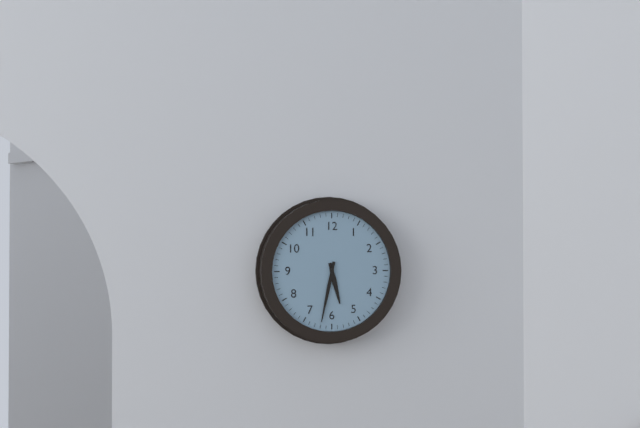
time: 5:32
